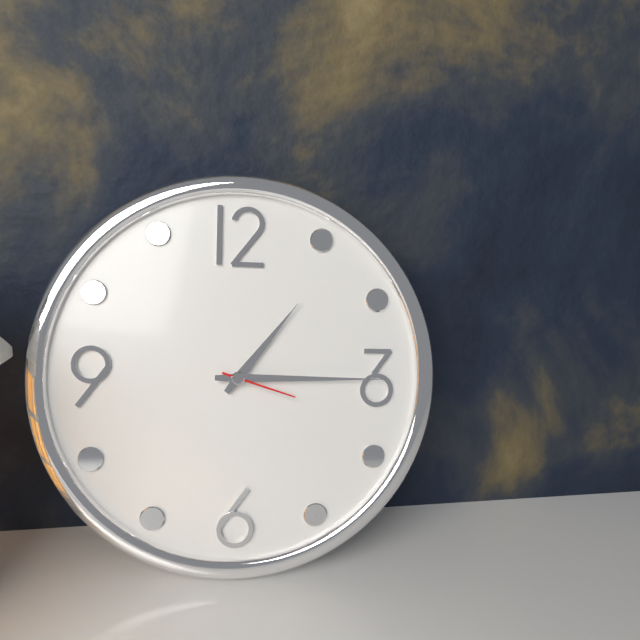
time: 1:15:18
